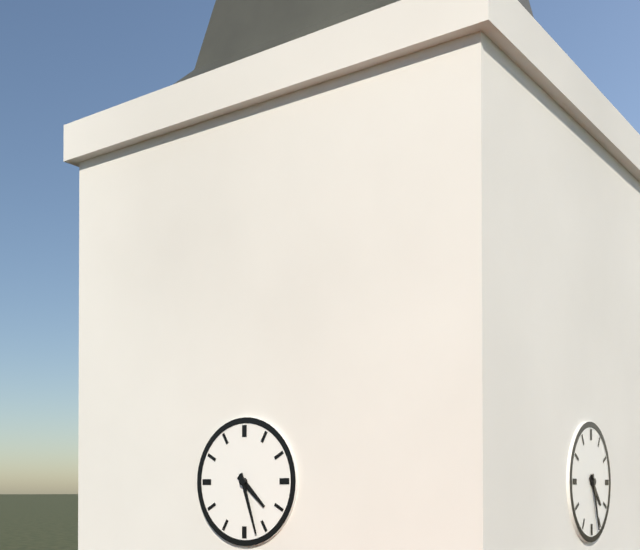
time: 4:27
